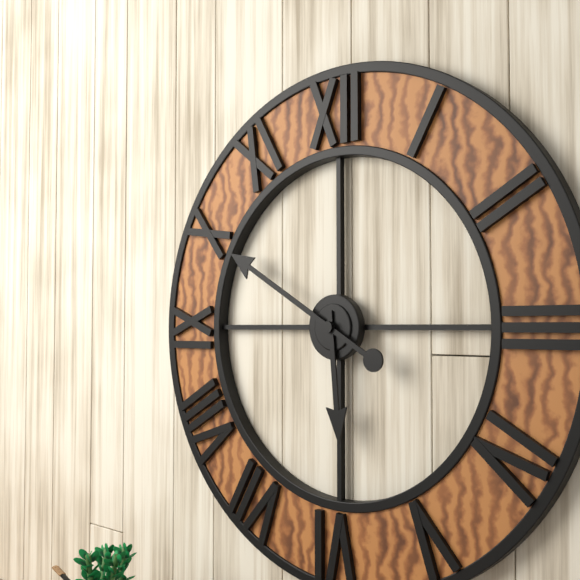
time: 5:50
